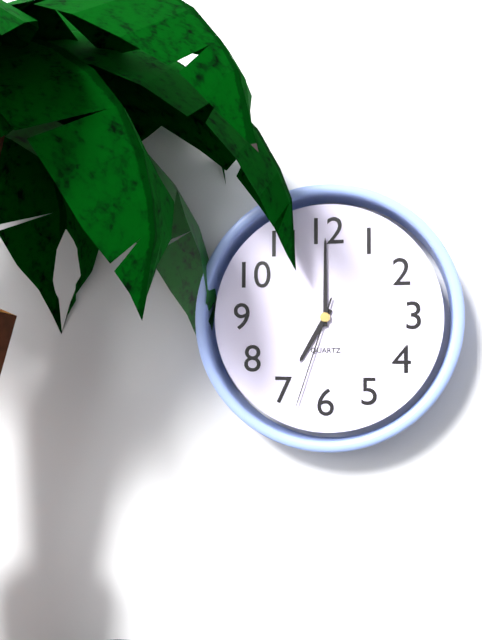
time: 7:00:33
